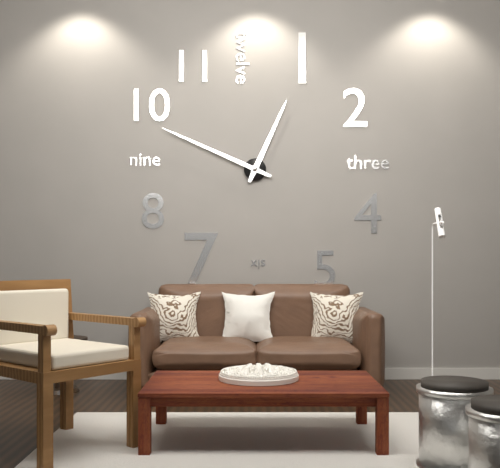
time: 12:49
